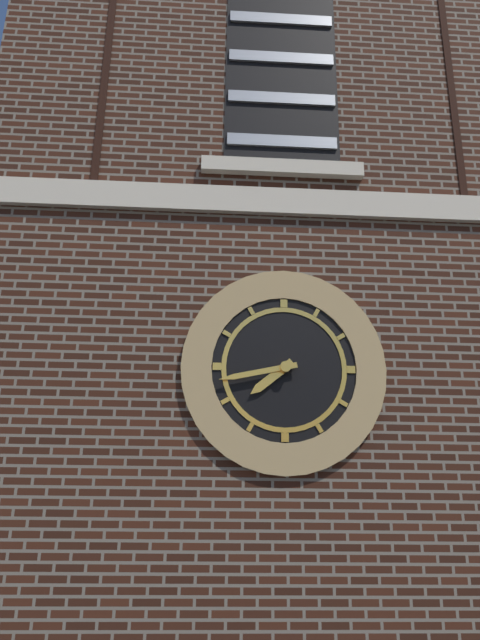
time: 7:43
